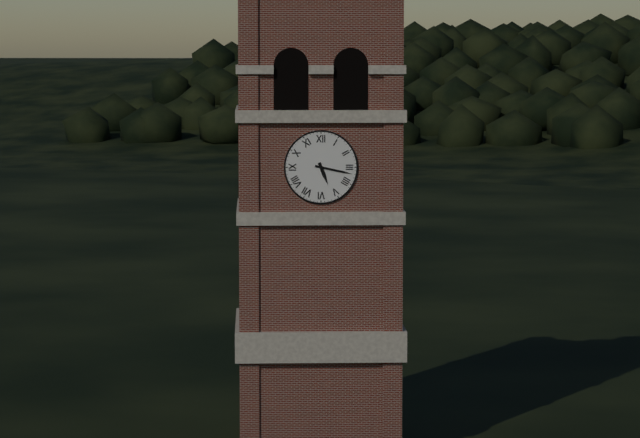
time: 5:17
